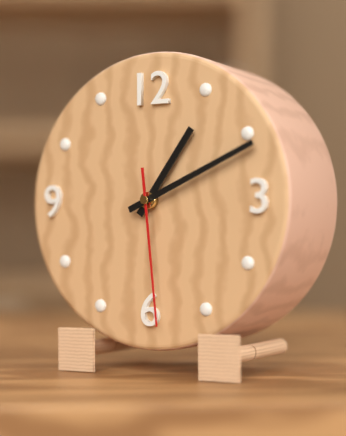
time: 1:11:29
